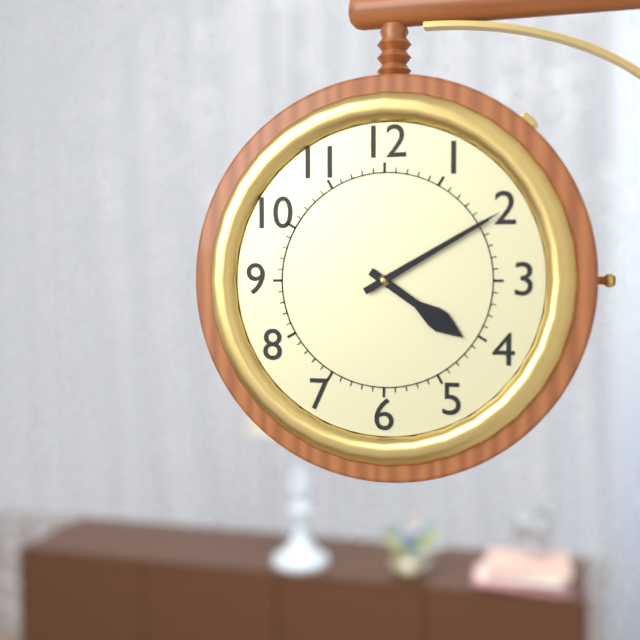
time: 4:10
